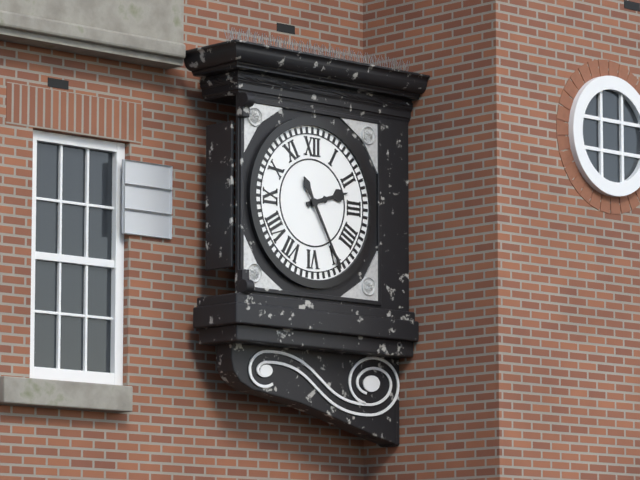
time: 2:25
